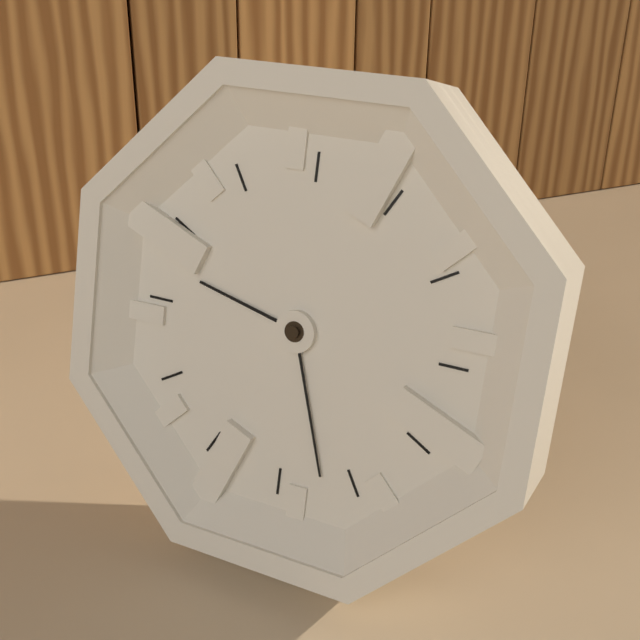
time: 9:27
